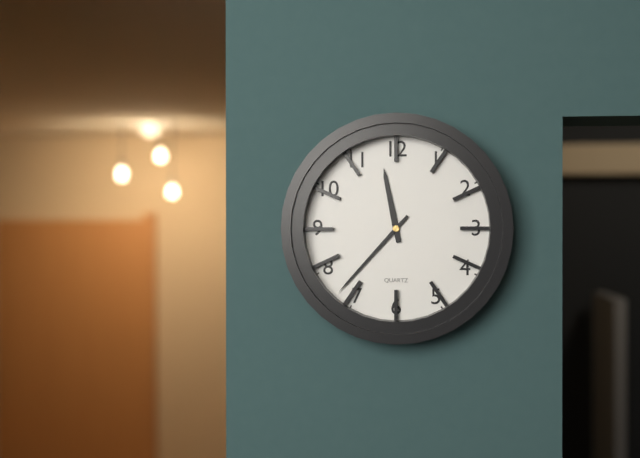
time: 11:37
